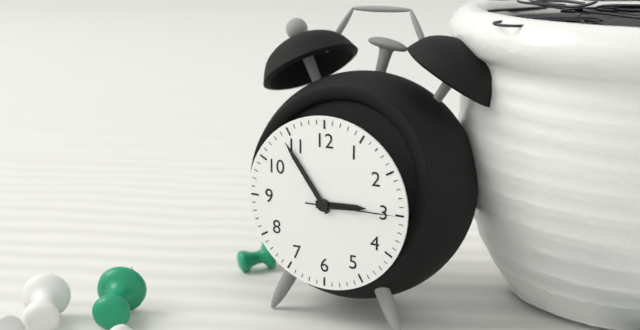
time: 2:54:15
